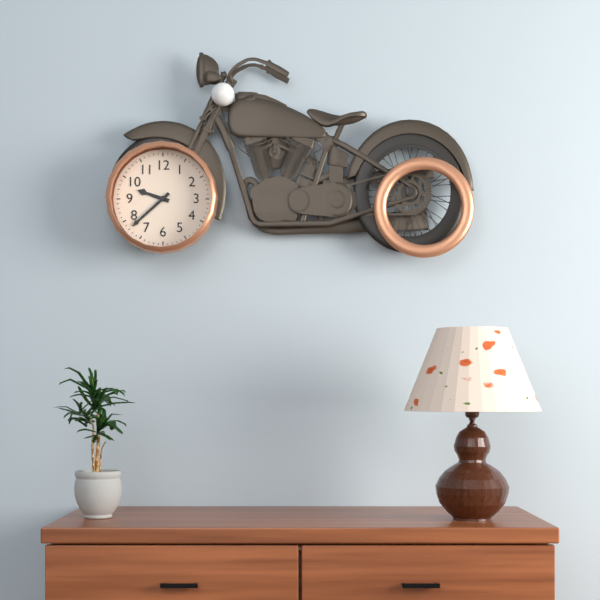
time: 9:38
